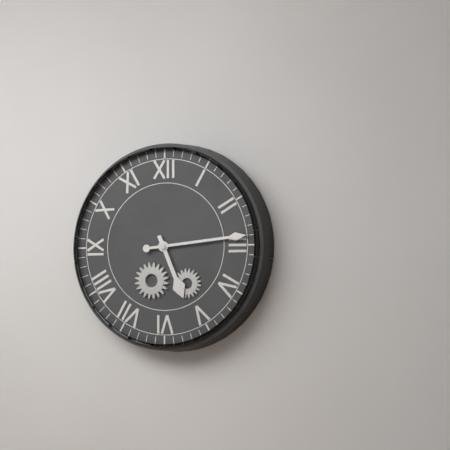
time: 5:14
